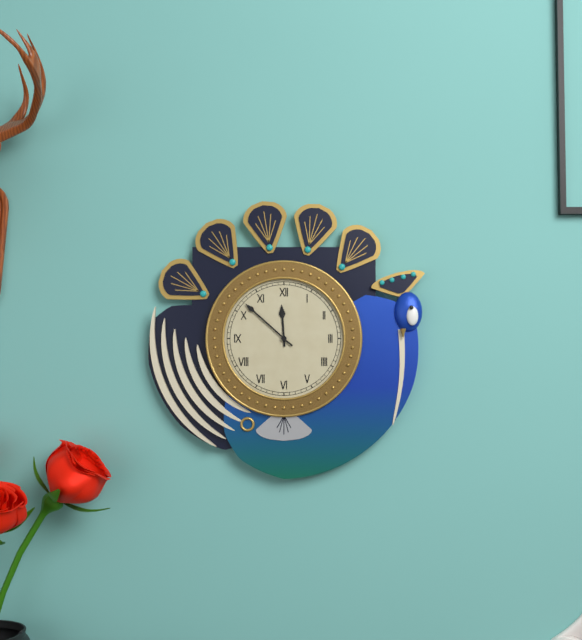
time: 11:52
